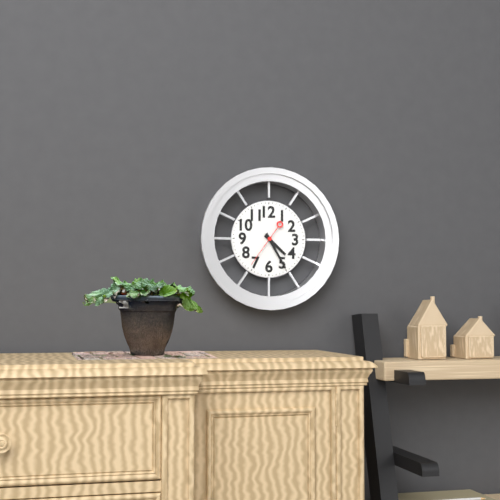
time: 4:25
